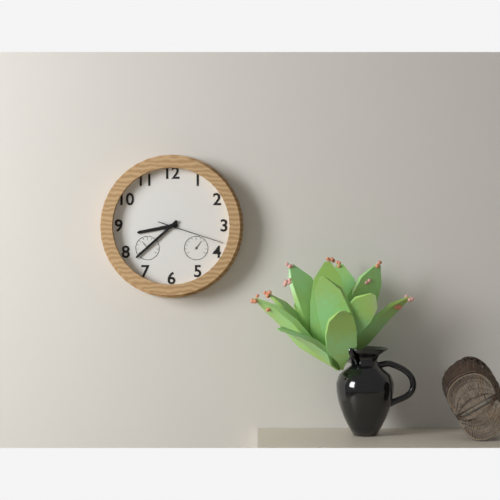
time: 8:38:18
